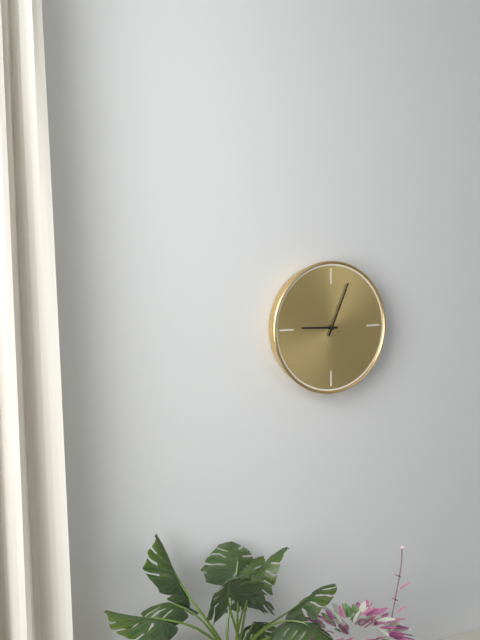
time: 9:04
